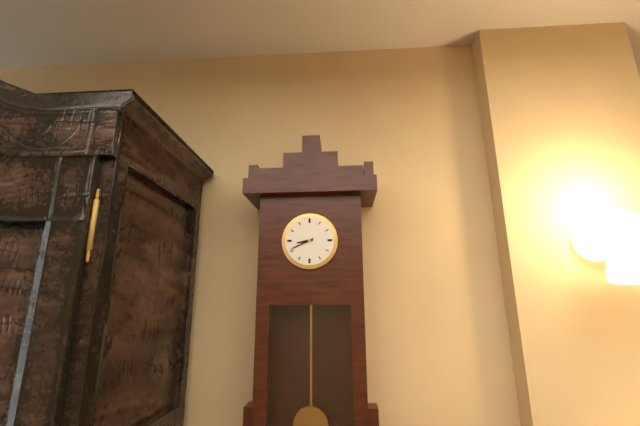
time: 8:41
